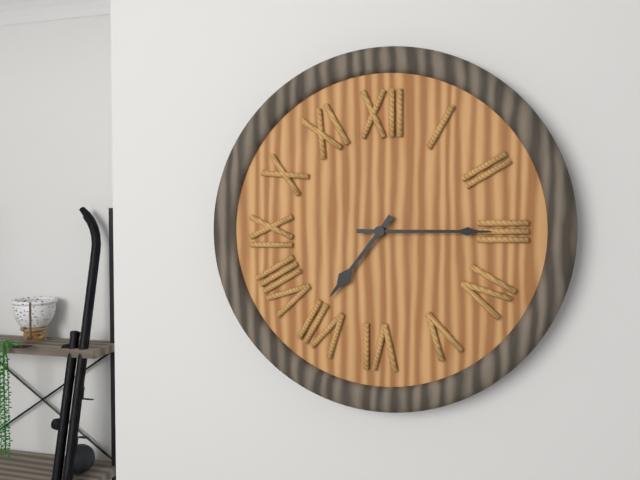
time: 7:15
